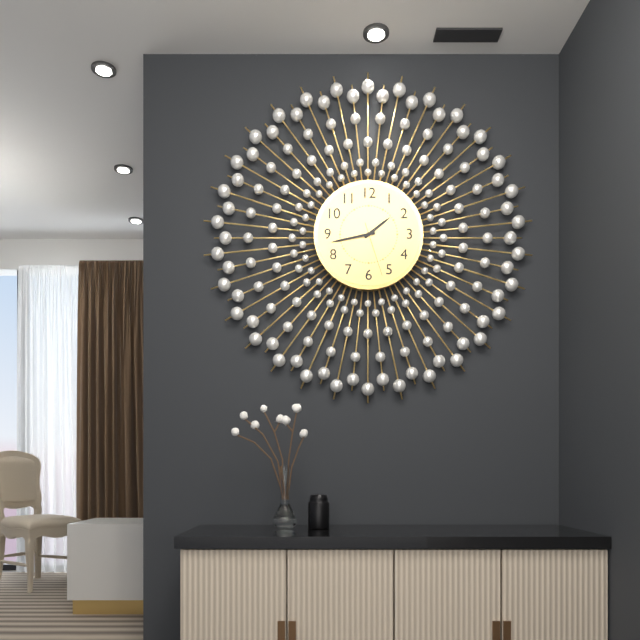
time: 1:43:27
